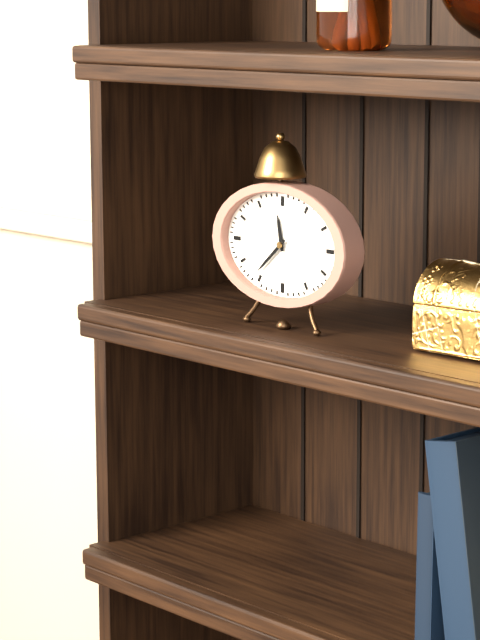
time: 11:38
